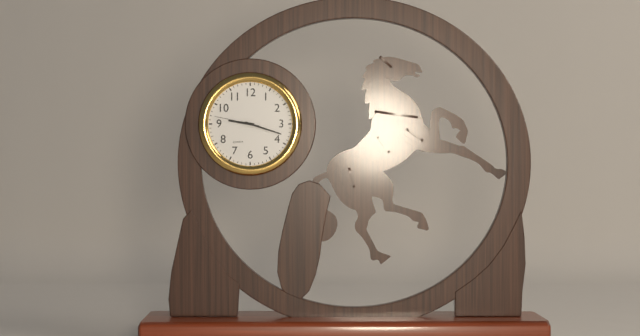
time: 9:18
